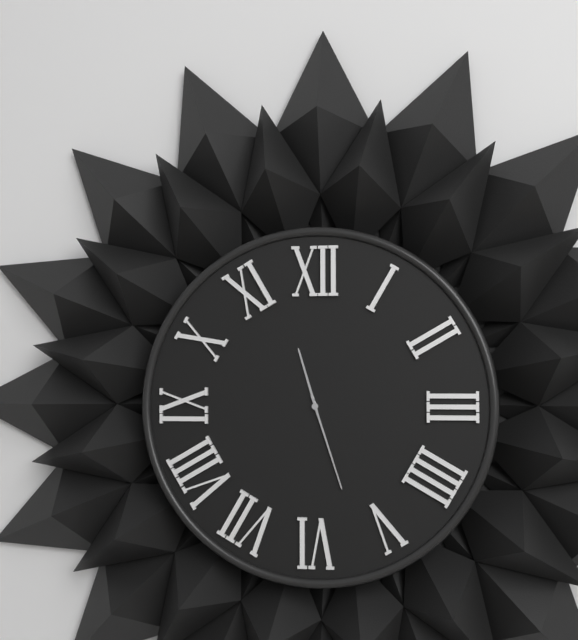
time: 11:27
